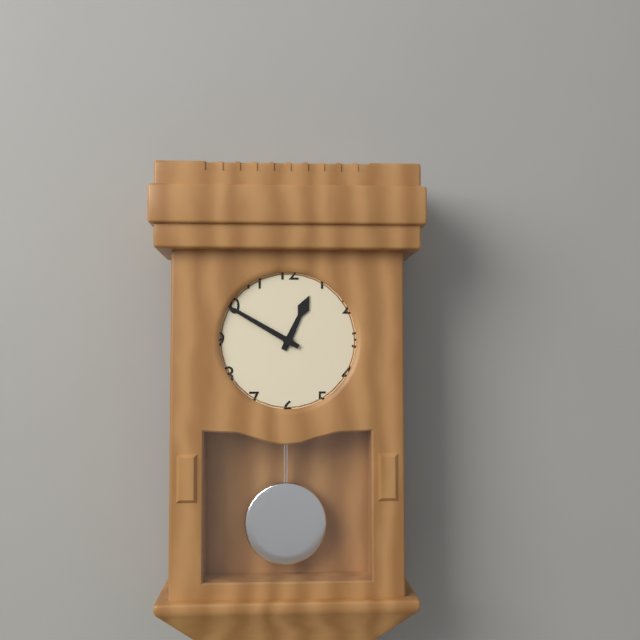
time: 12:50
